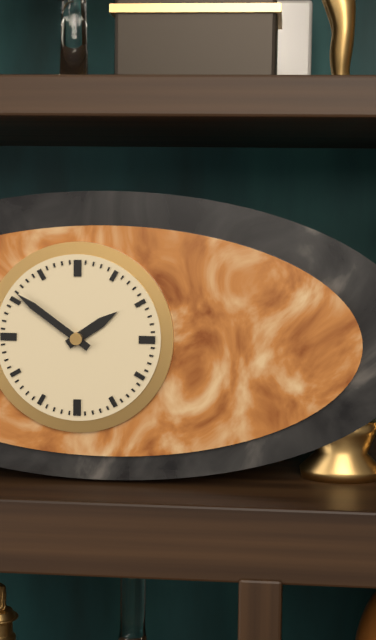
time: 1:51
